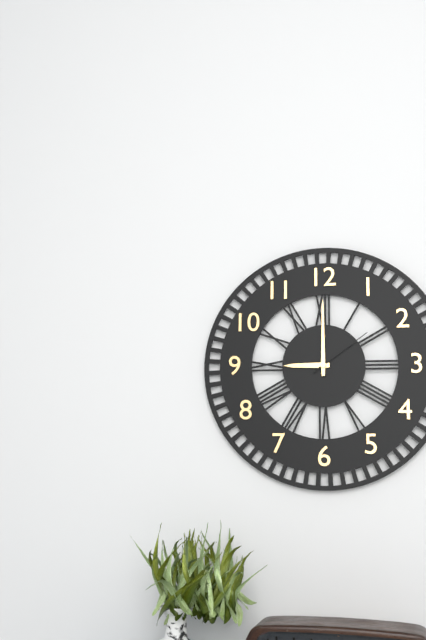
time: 9:00:09
